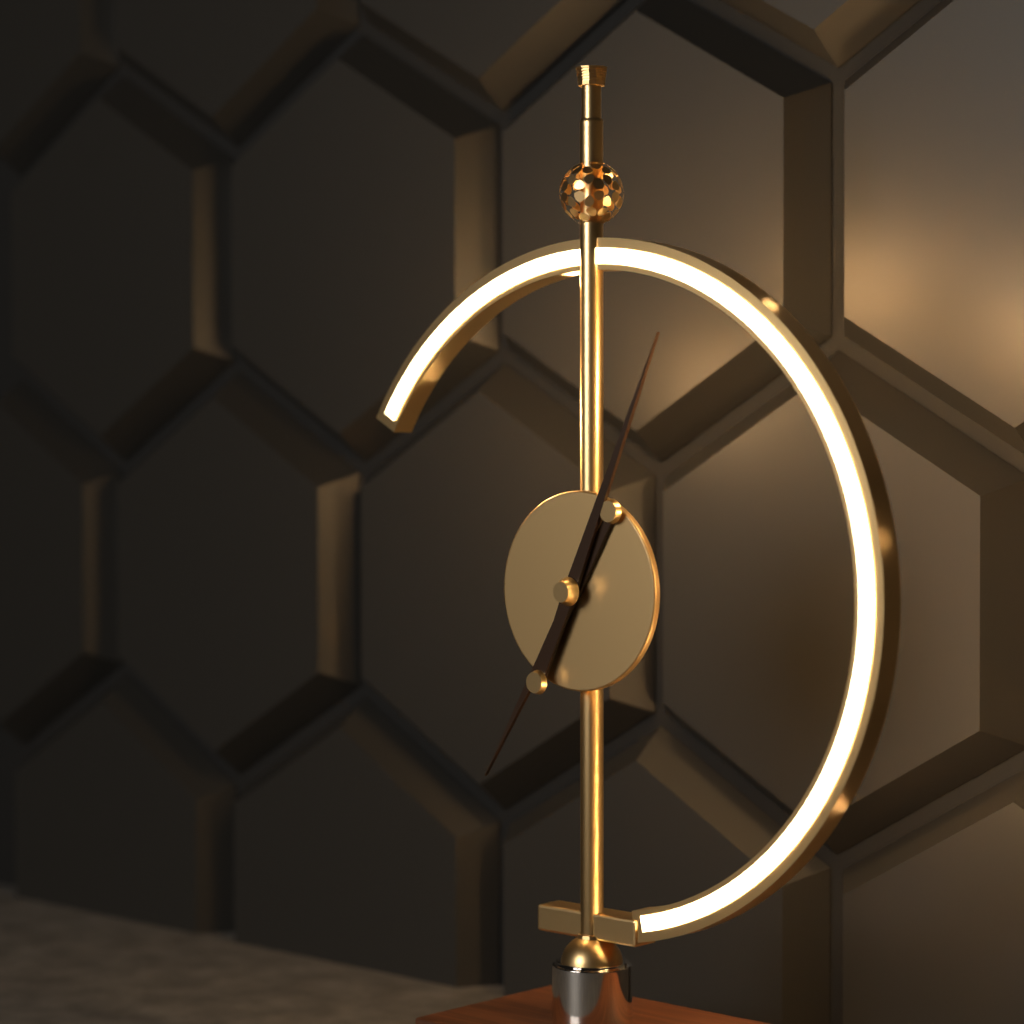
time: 7:04
